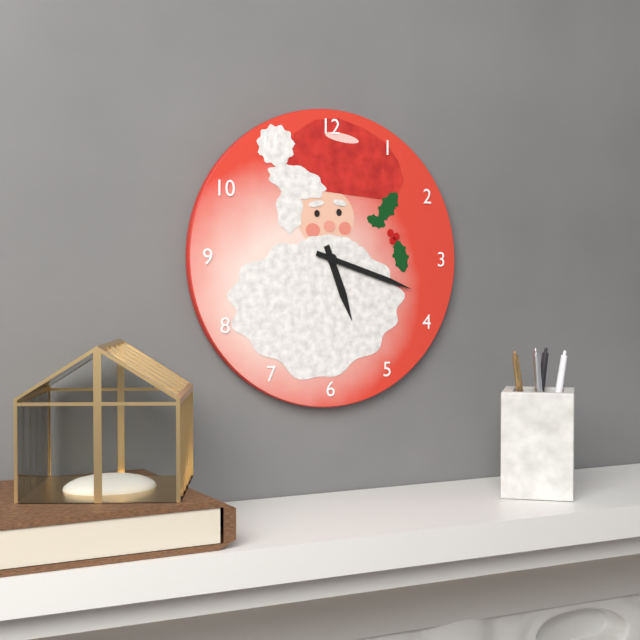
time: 5:18
